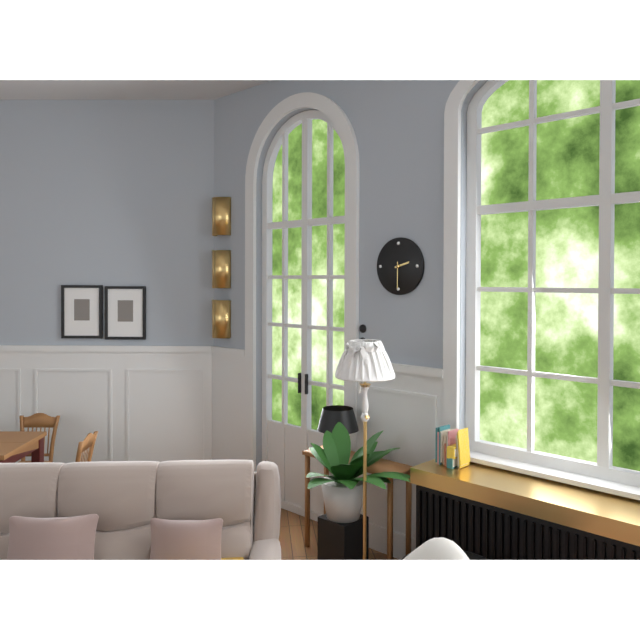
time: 2:30
